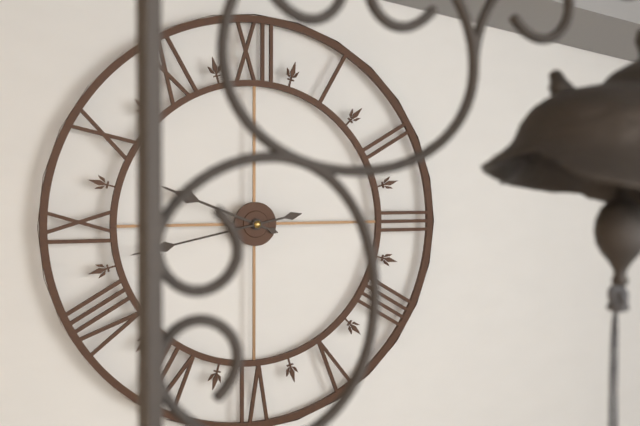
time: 9:43
